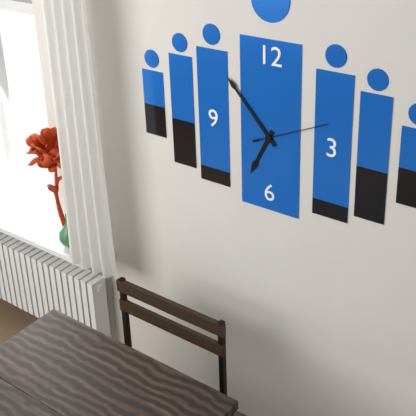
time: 6:53:11
